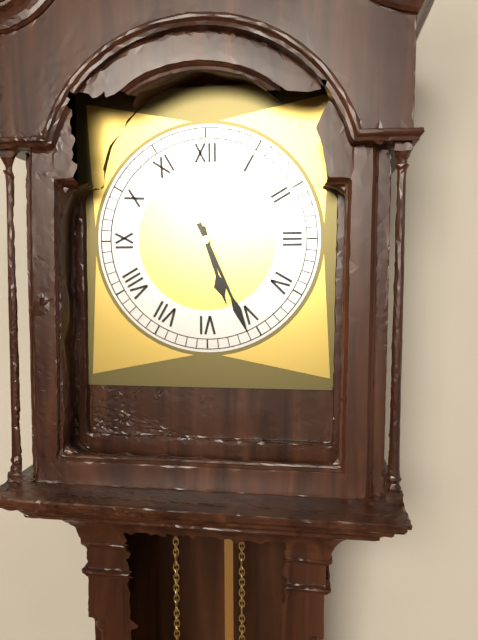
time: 5:26
